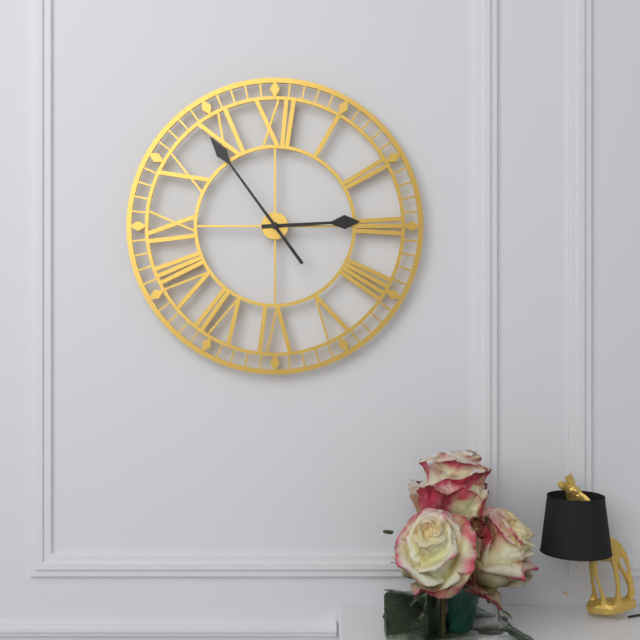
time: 2:54
